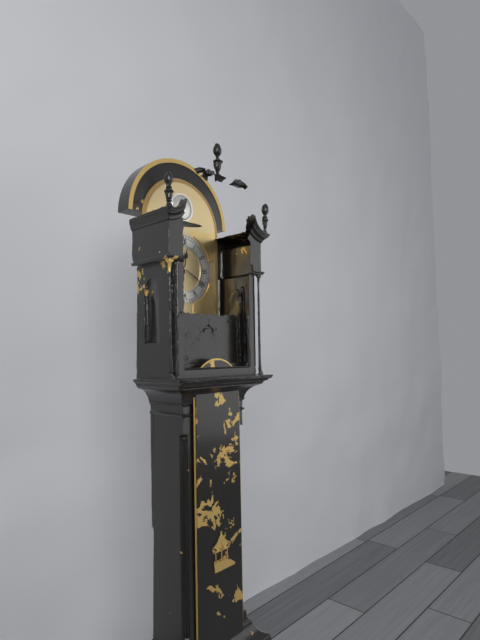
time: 12:20
